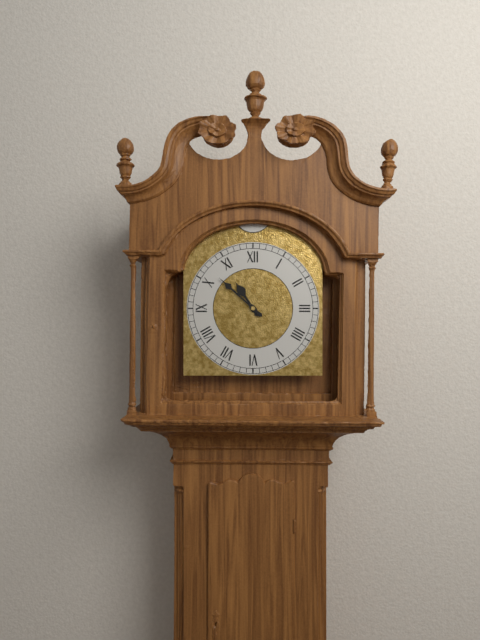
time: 10:52
